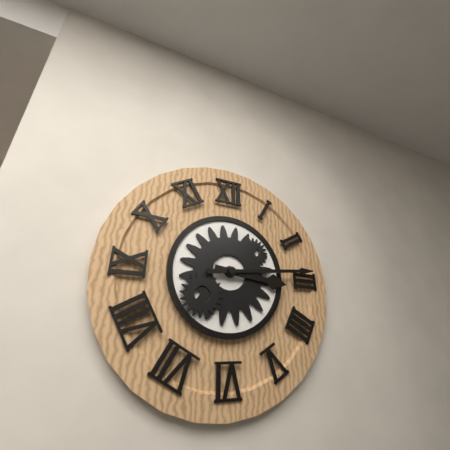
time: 3:14
